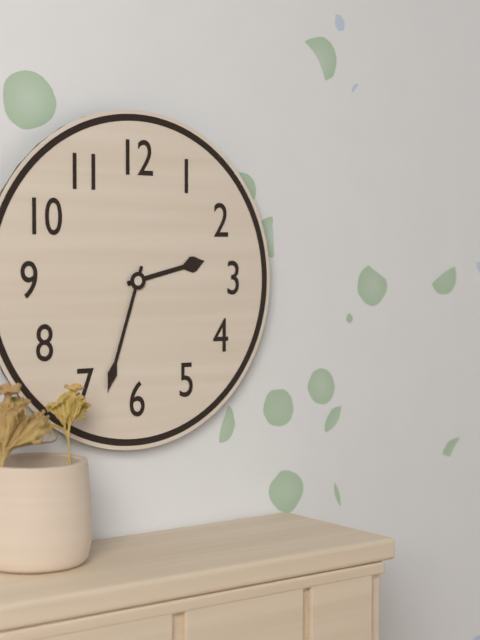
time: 2:33
